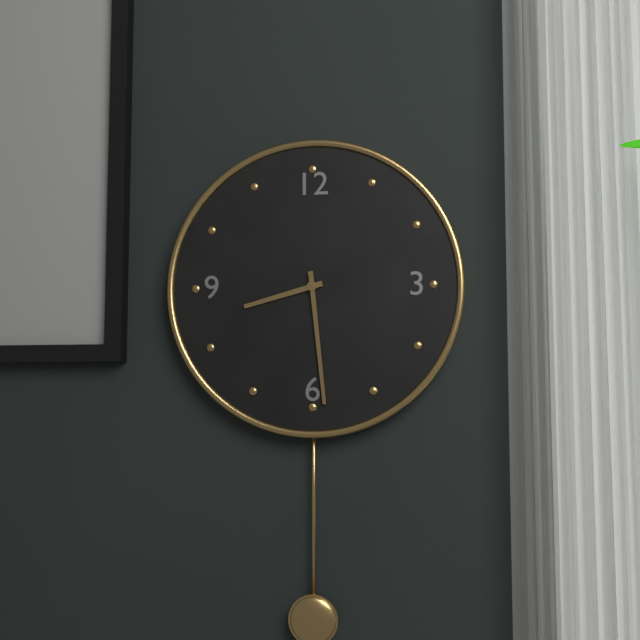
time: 8:29
